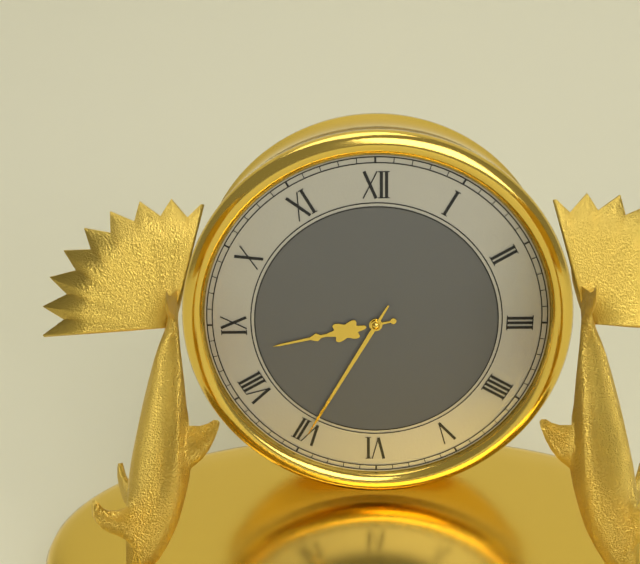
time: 8:35
